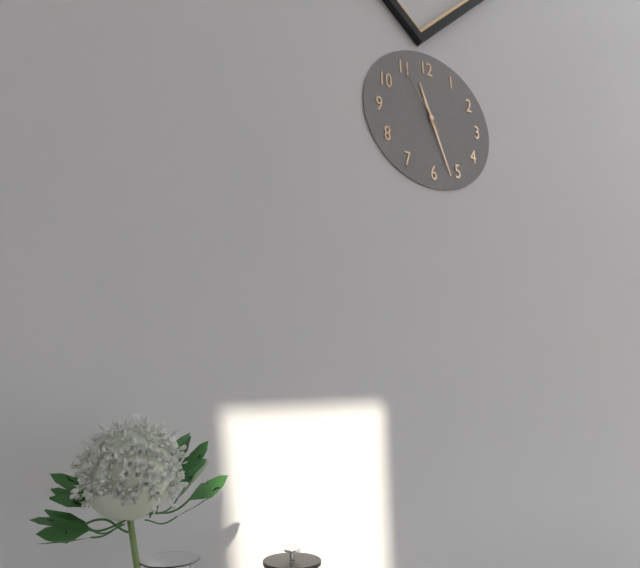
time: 11:27:55
